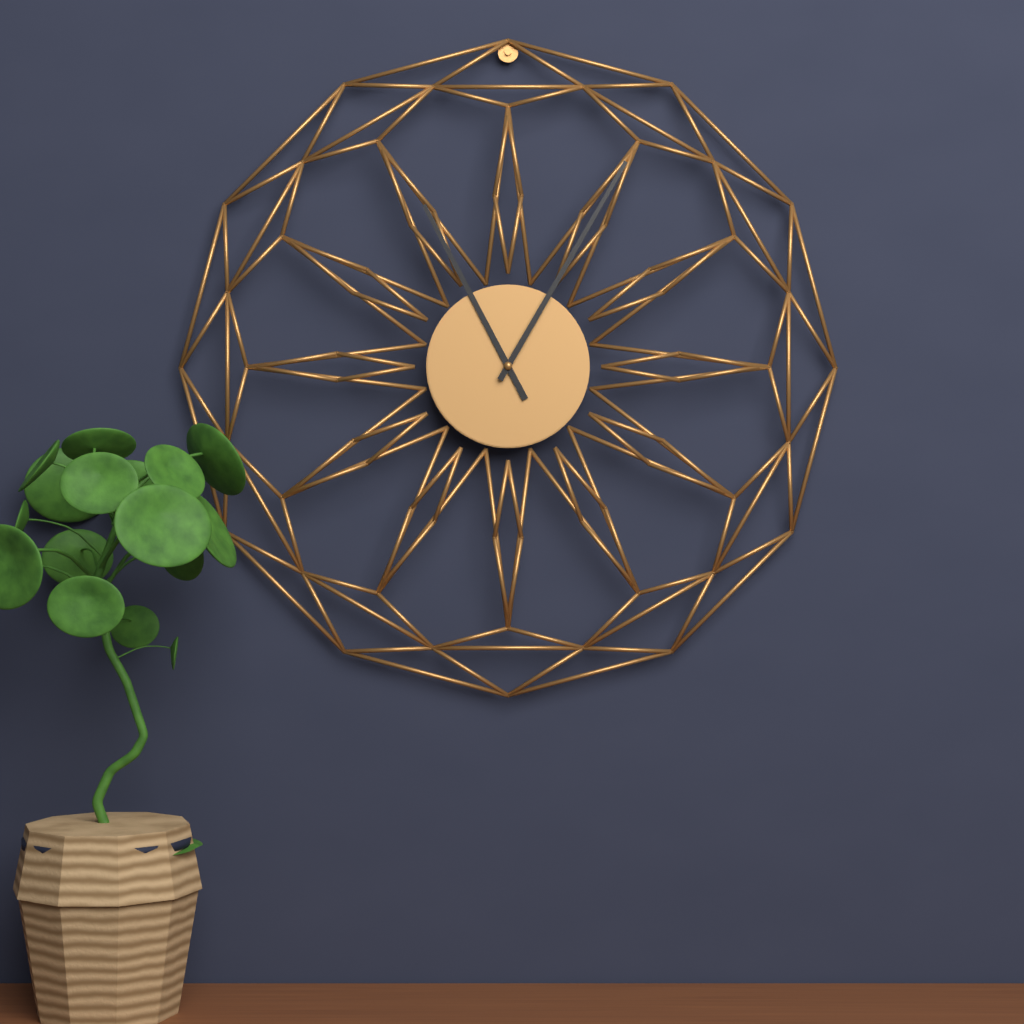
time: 11:05
